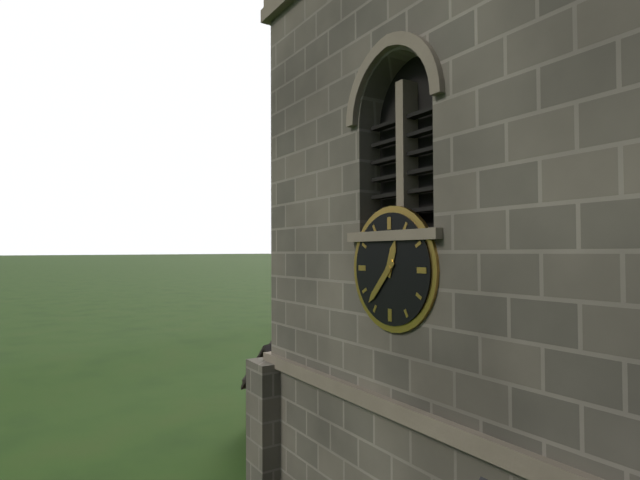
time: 12:37
